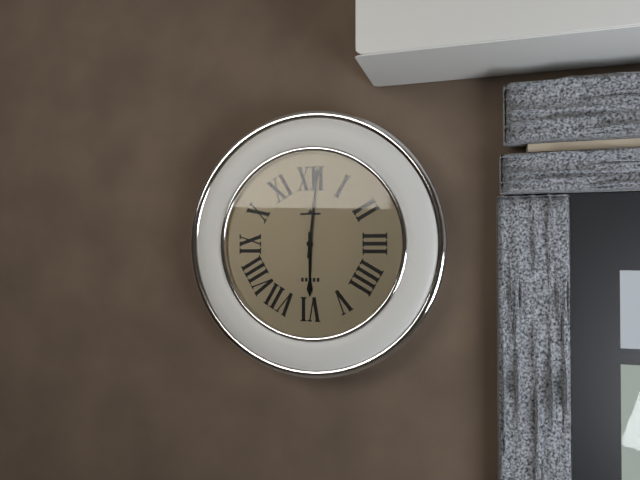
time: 6:01
